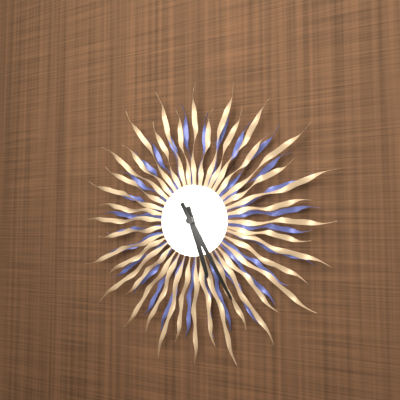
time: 5:25
